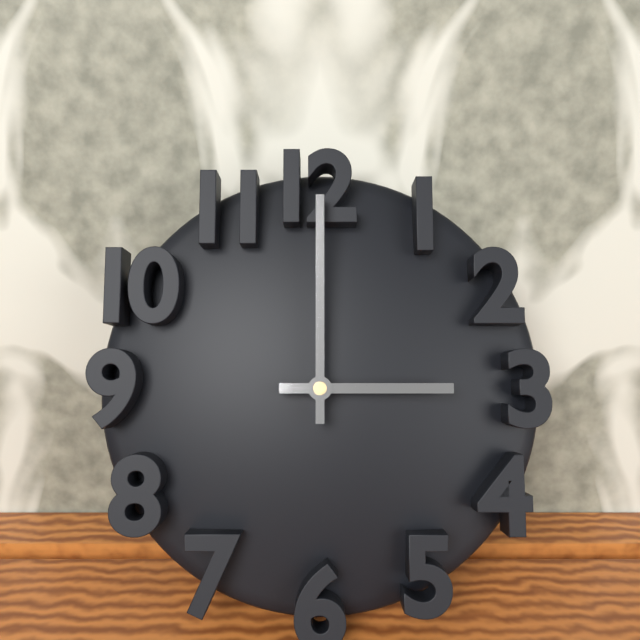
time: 3:00
